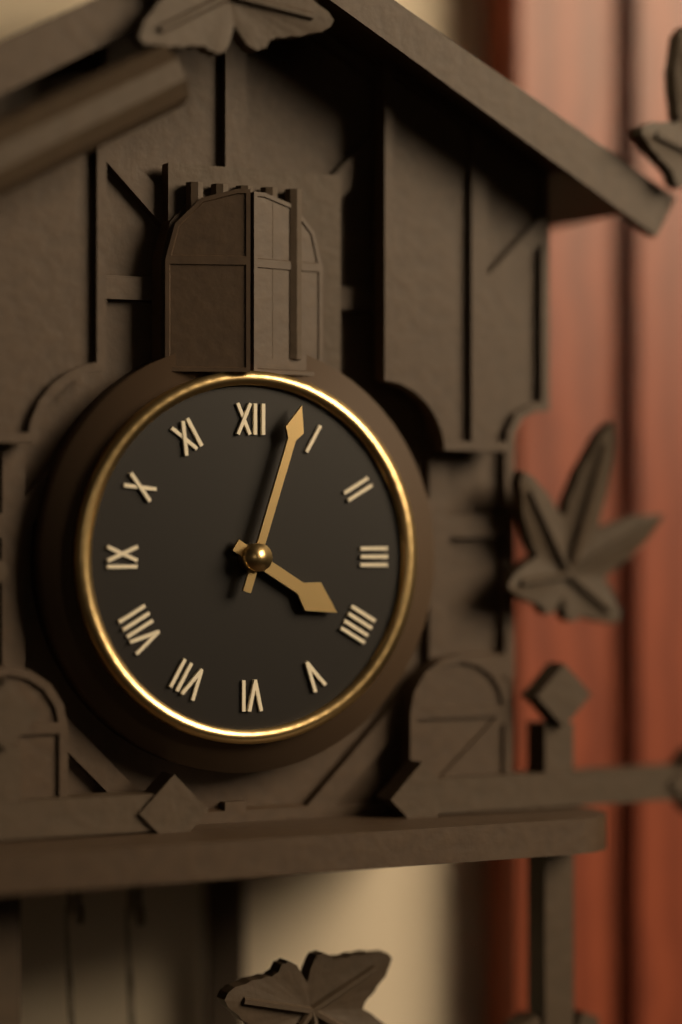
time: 4:03
